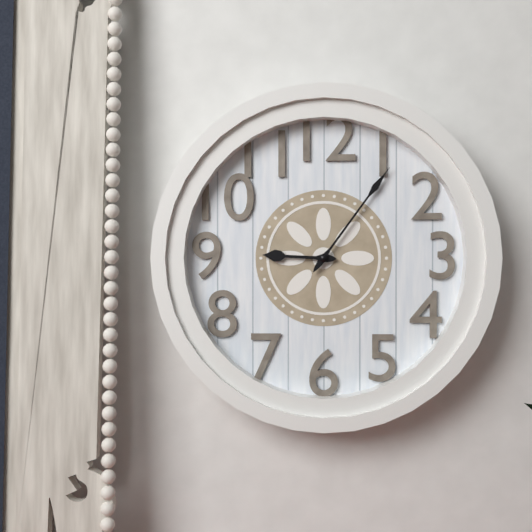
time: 9:06
